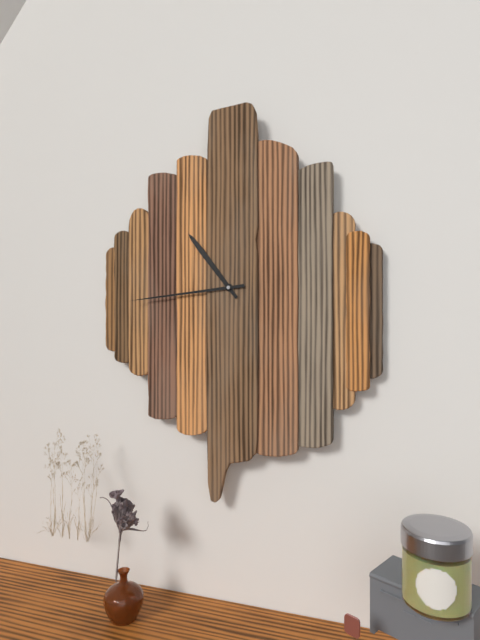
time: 10:44
